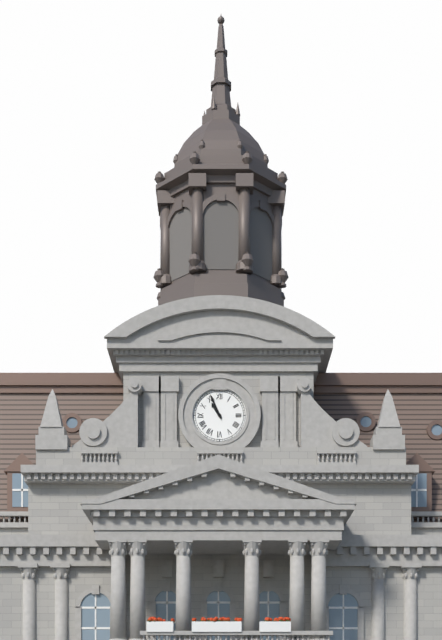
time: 10:56
